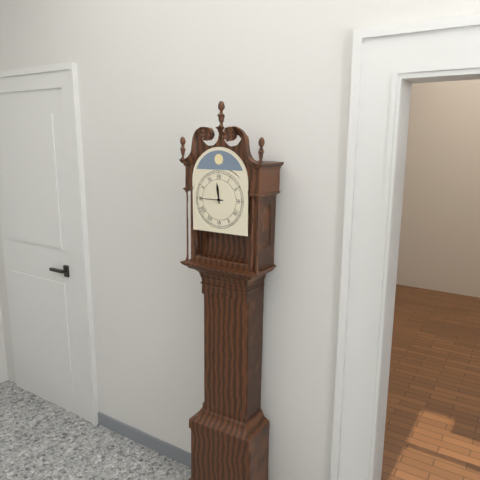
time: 11:45
